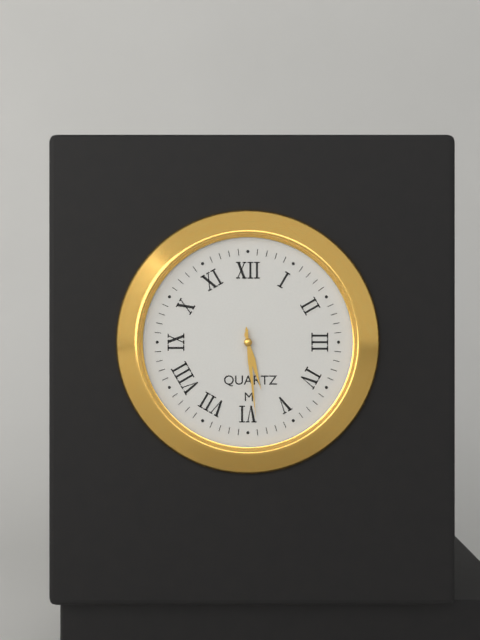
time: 5:29
